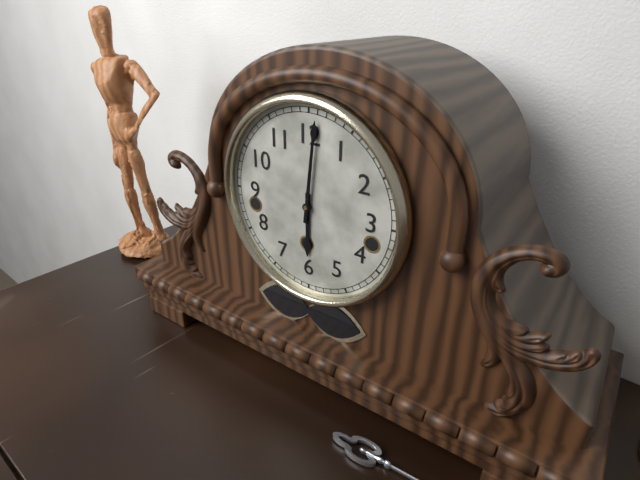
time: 6:01
